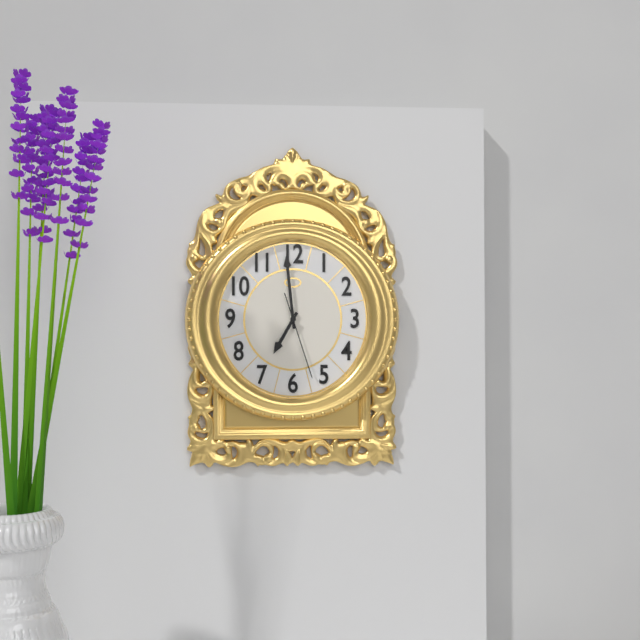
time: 6:59:27
